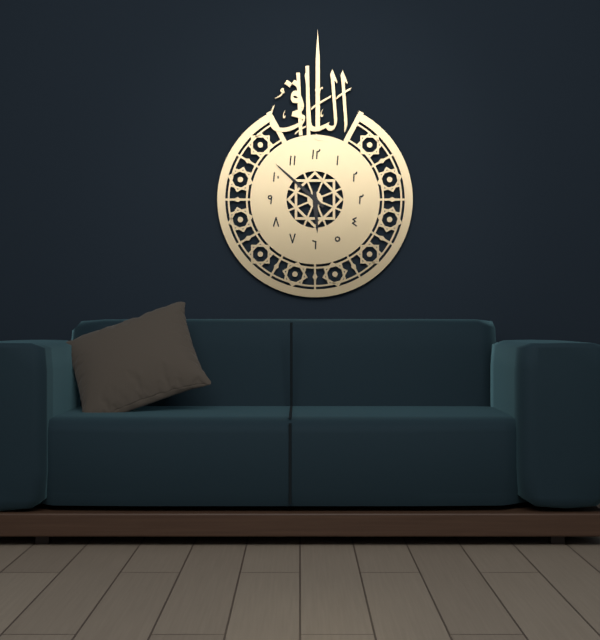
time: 5:52
